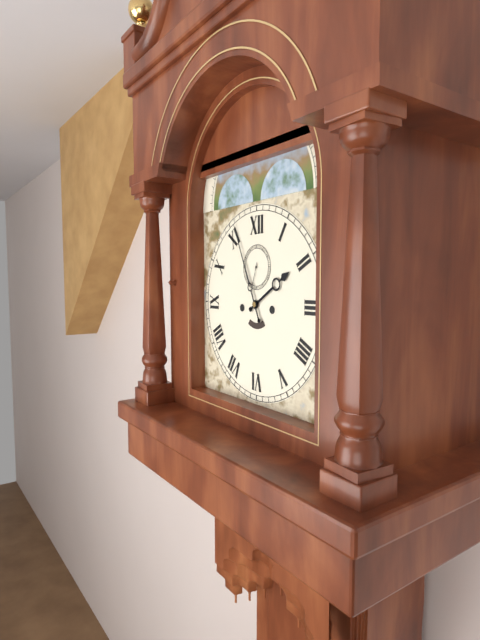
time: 1:56
